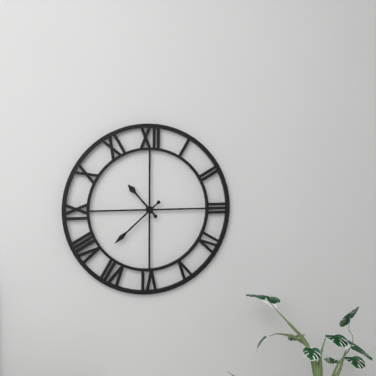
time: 10:38
